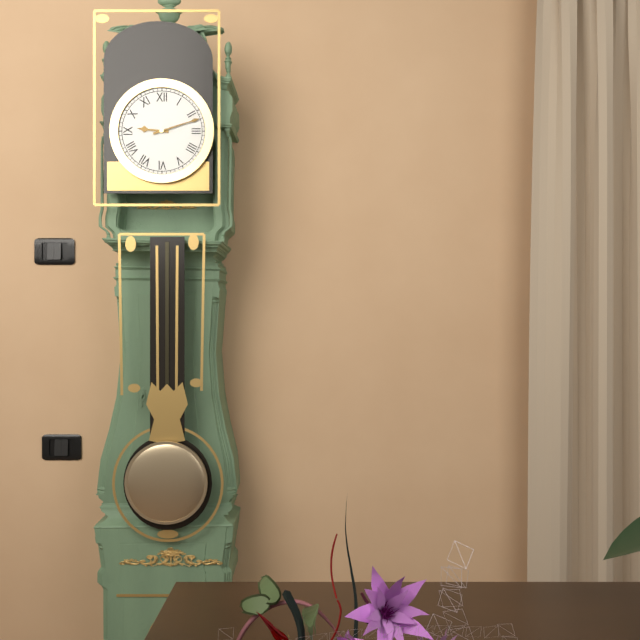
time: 9:12
